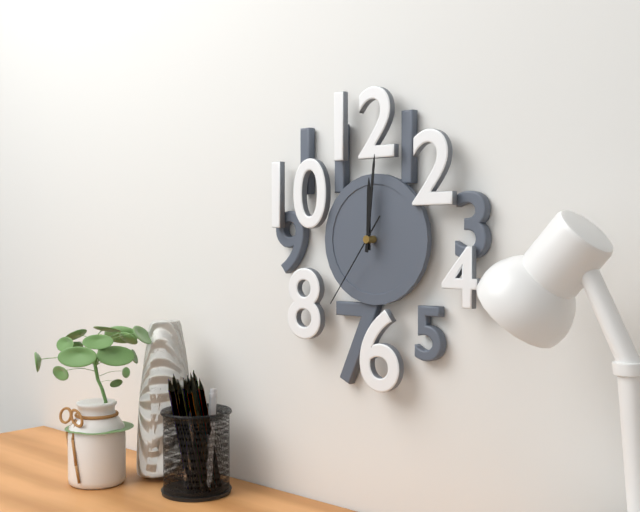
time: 12:01:36
